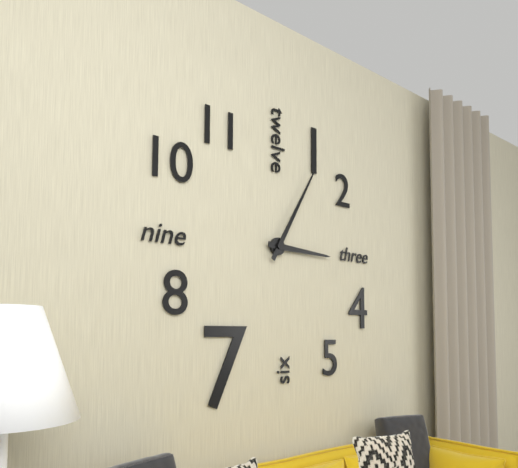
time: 3:05
